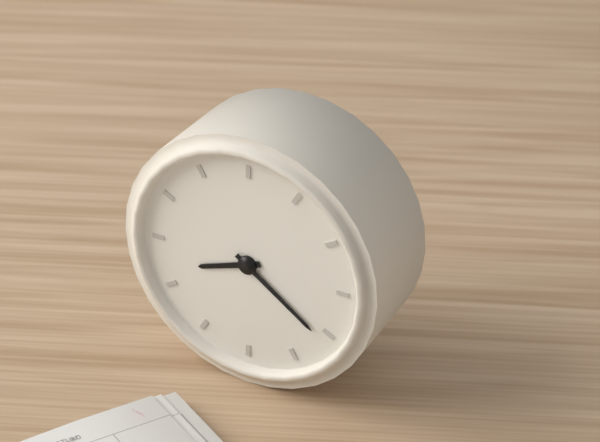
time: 8:21
